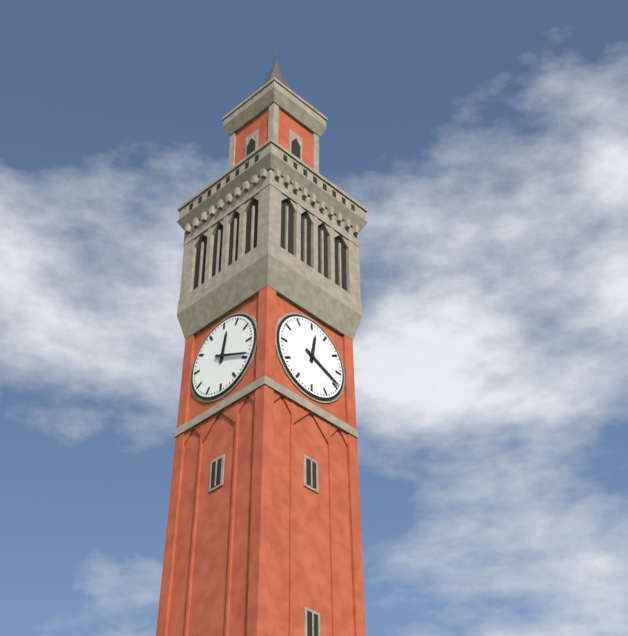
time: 12:19
